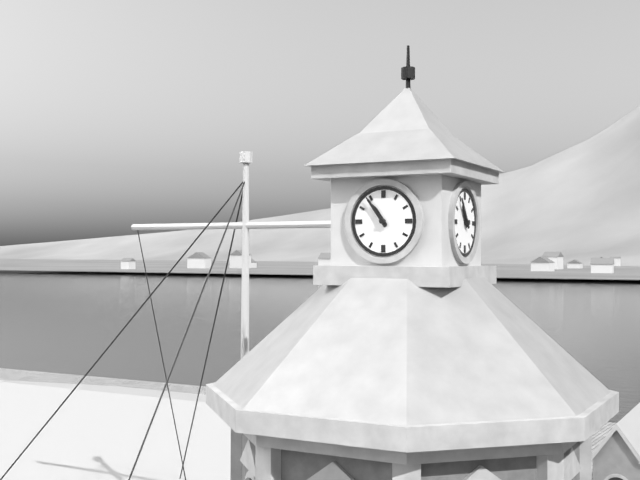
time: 10:54
